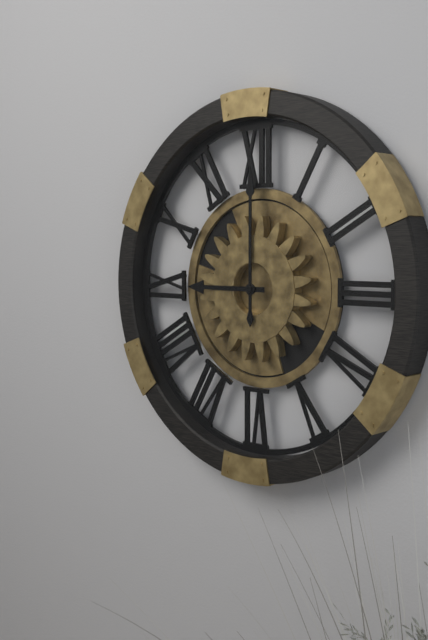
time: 9:00
